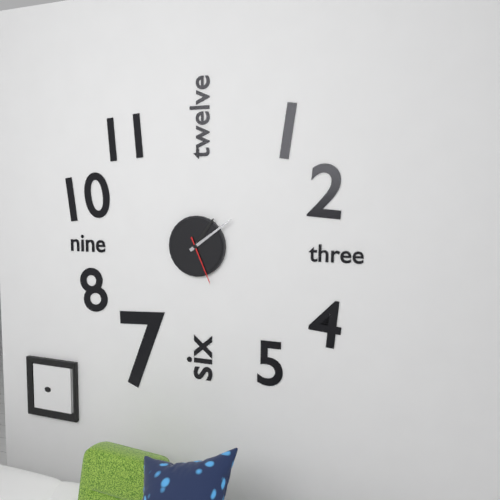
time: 1:09:26
